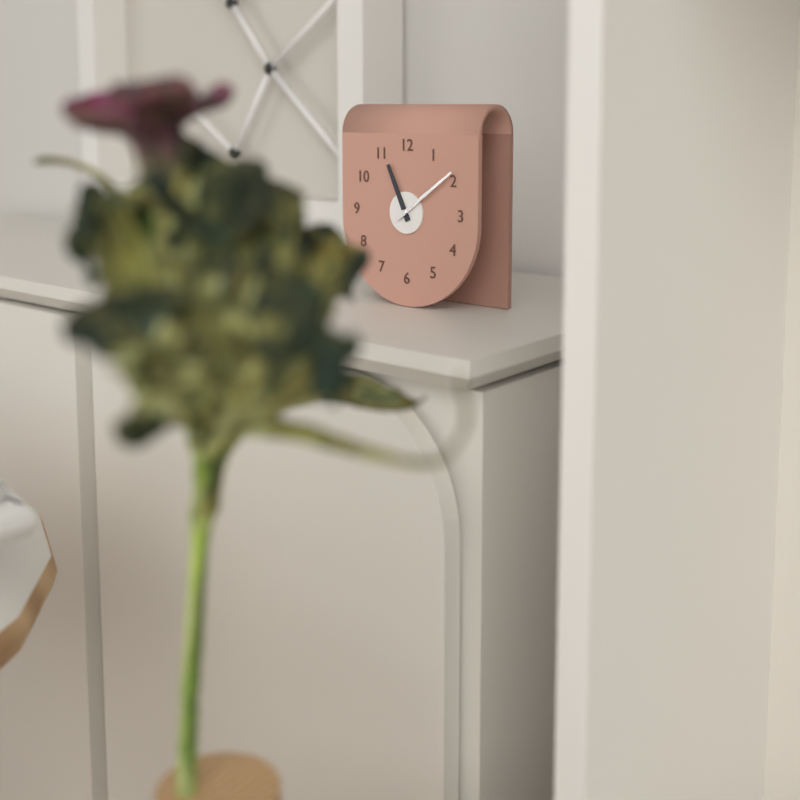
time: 11:09
